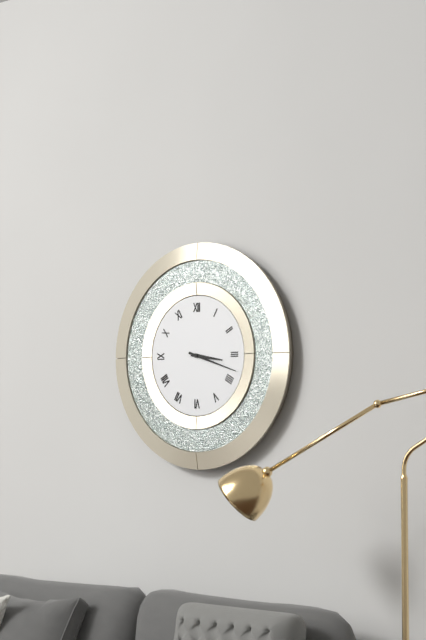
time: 3:18
